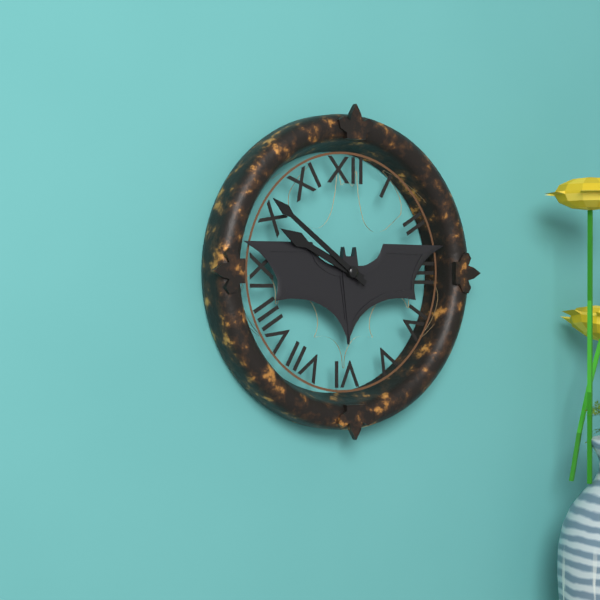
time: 9:51
